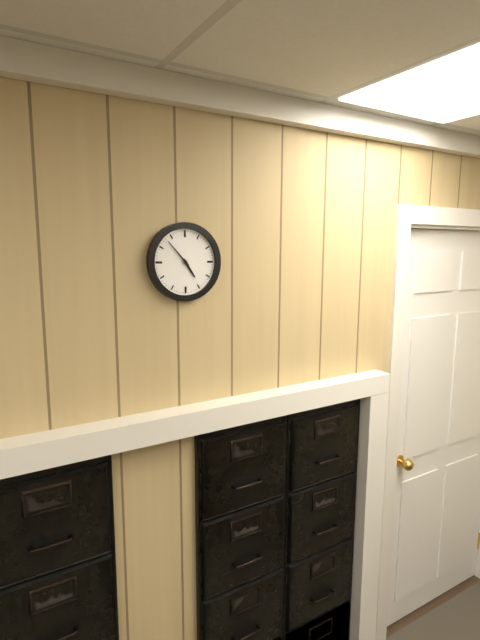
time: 4:53
